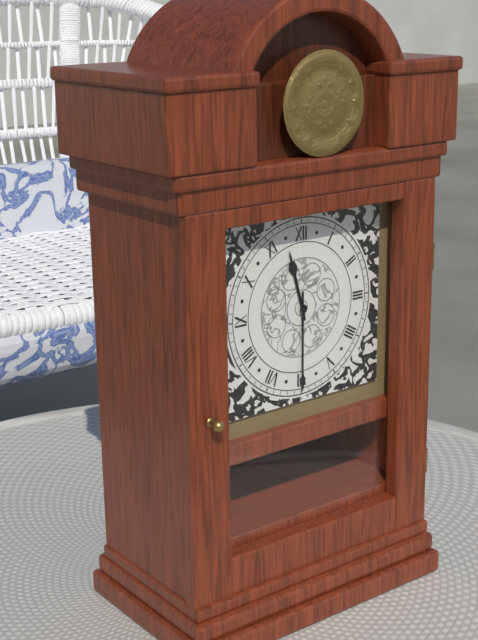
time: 11:30
